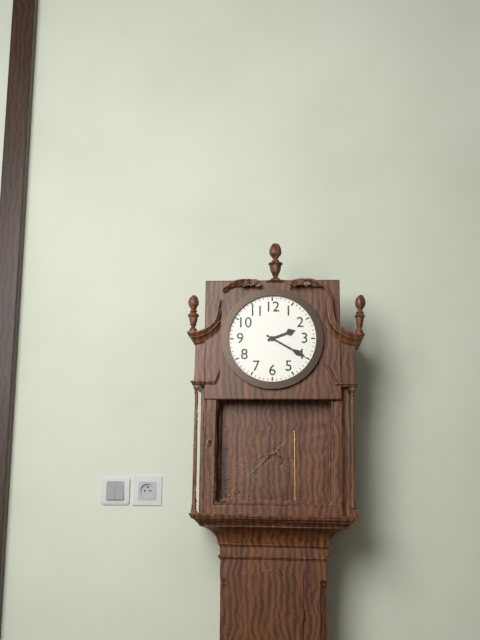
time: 2:20
